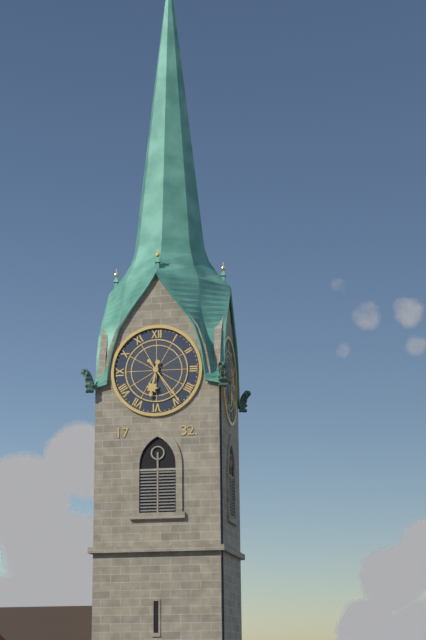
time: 6:24
